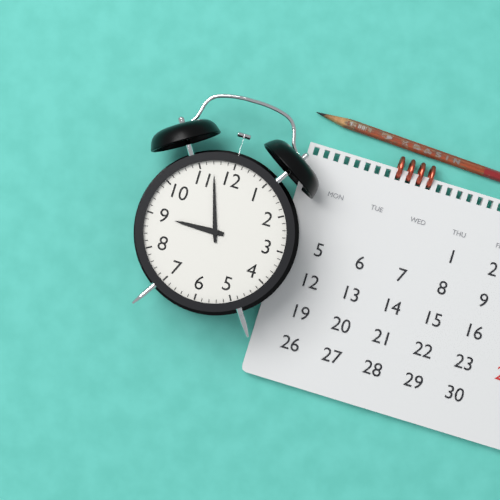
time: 8:57
